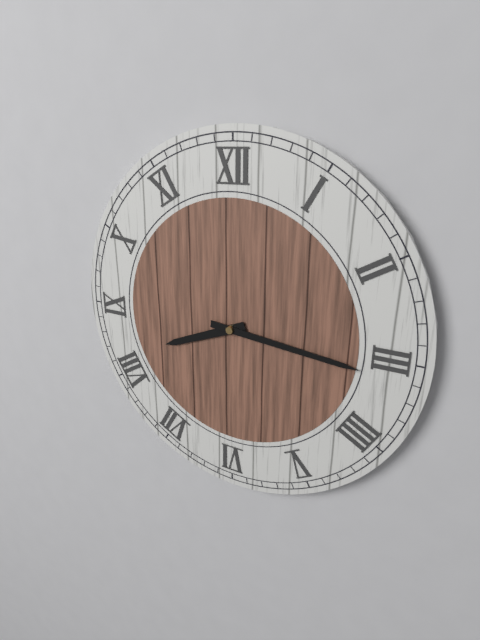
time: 8:16
